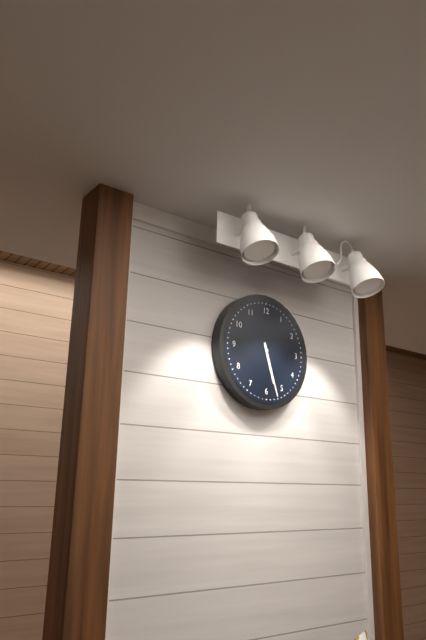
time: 5:27
